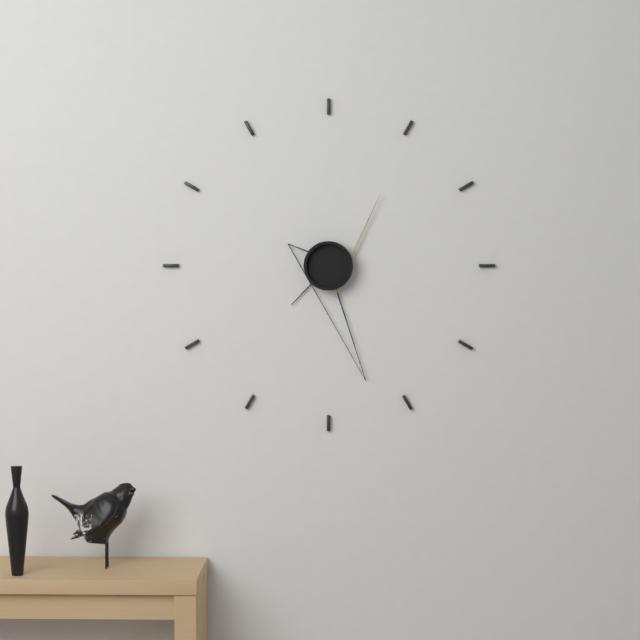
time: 7:27:06
